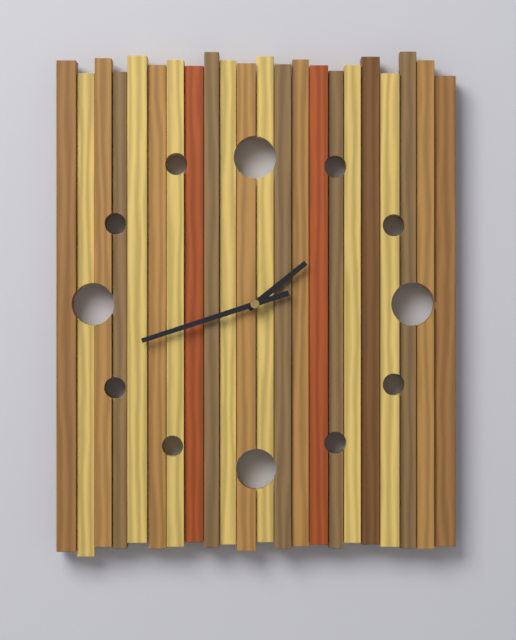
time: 1:42
